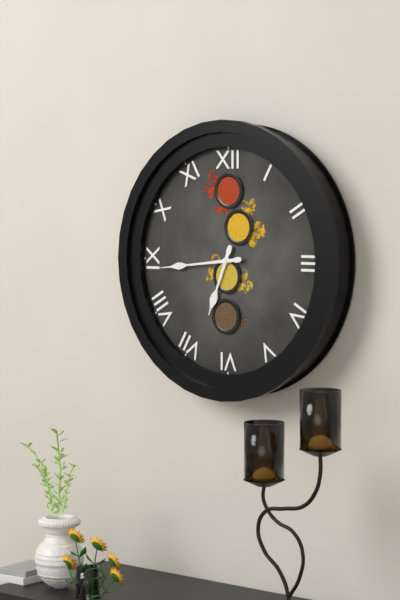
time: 6:44
